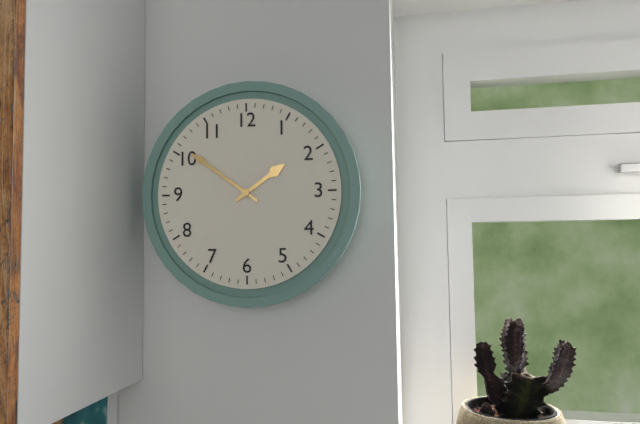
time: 1:51
